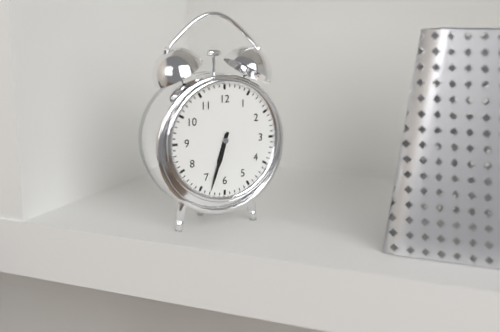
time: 6:33
